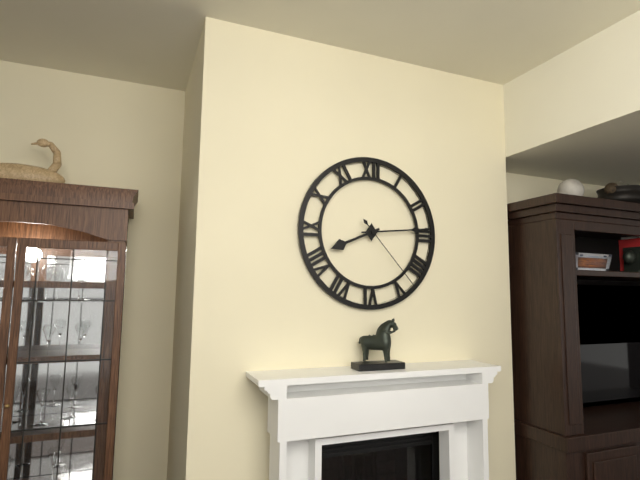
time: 8:14:23
